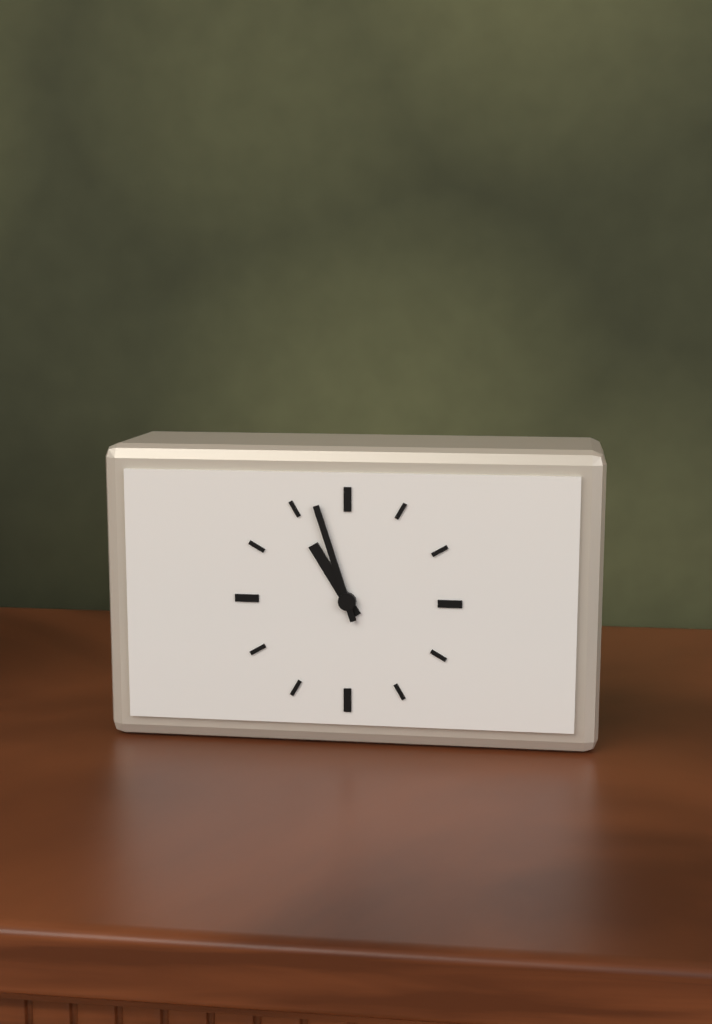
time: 10:57
